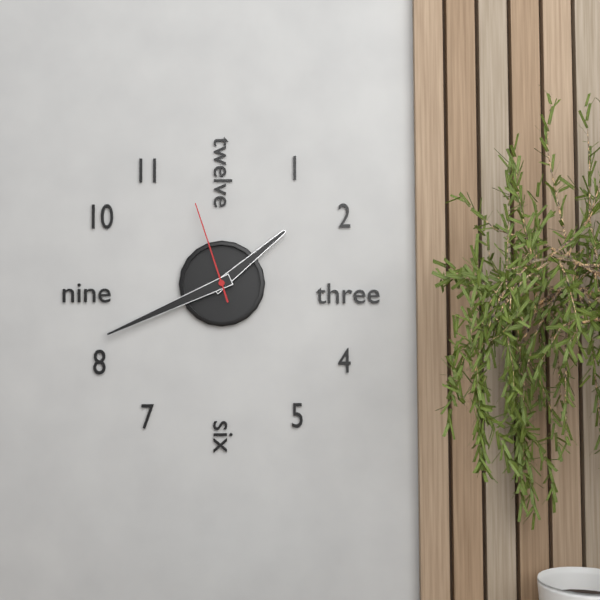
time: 1:41:57
